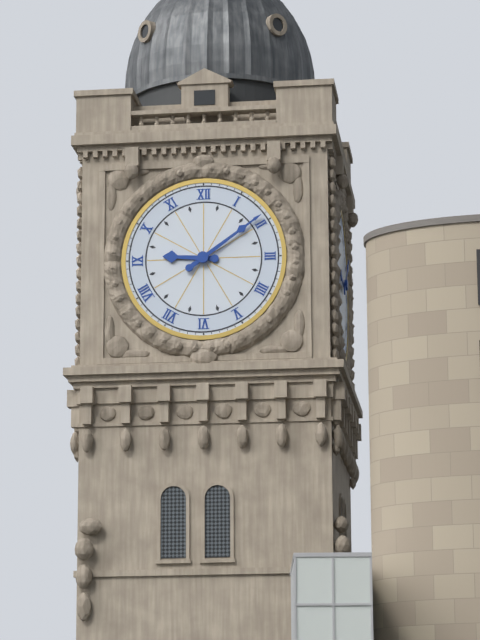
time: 9:09
